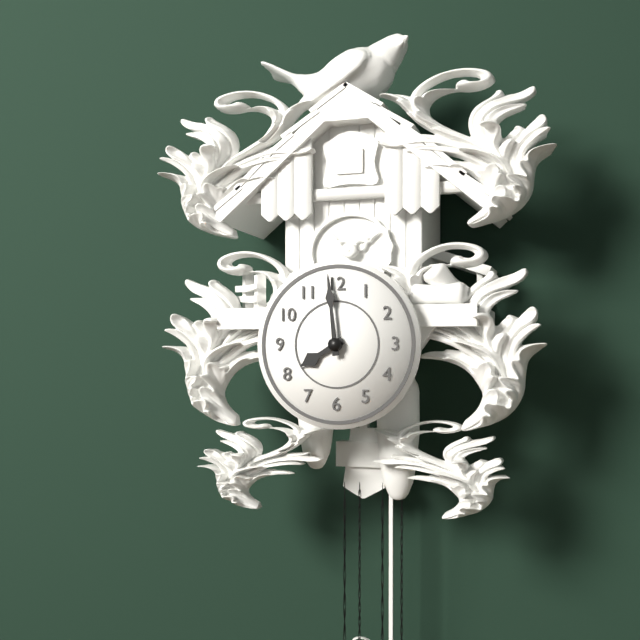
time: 7:59
